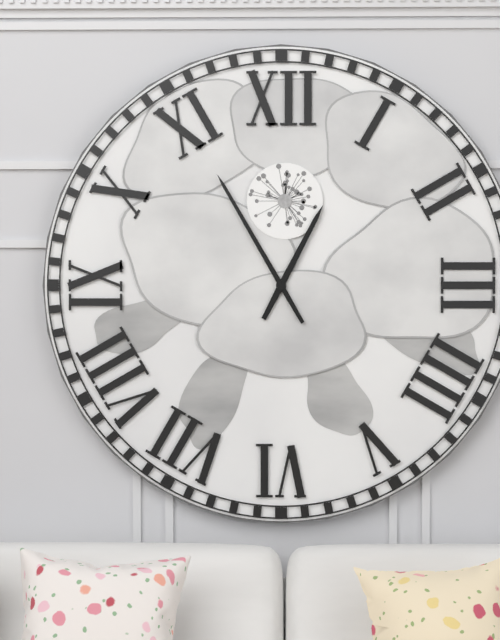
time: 12:55
